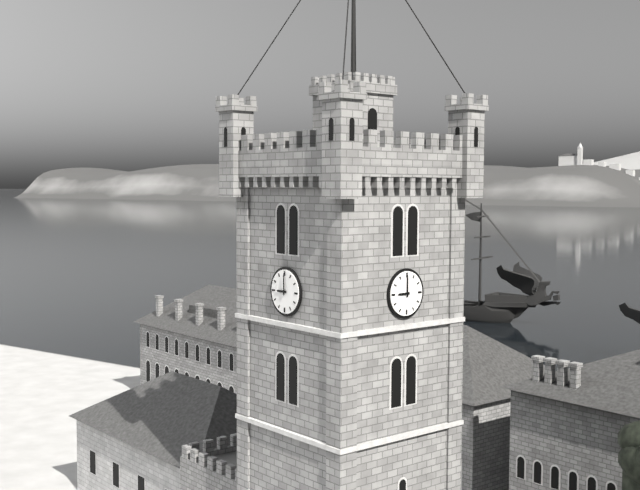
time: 9:00
